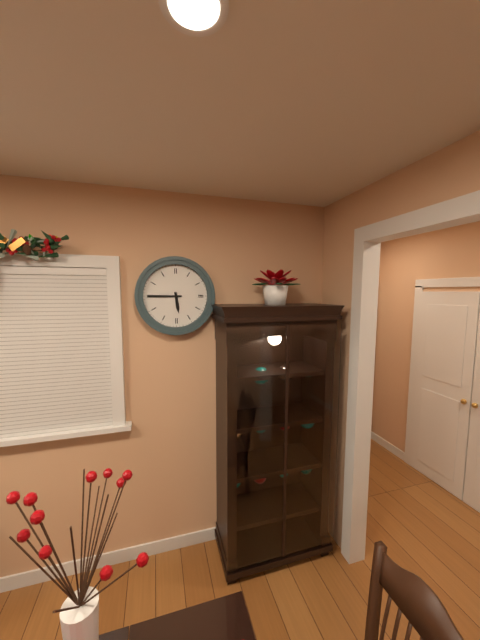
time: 5:45
